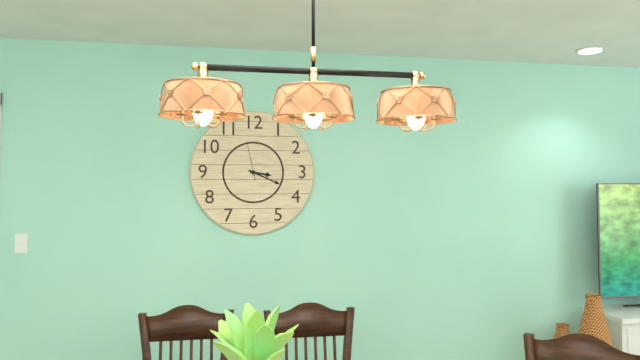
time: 3:19
